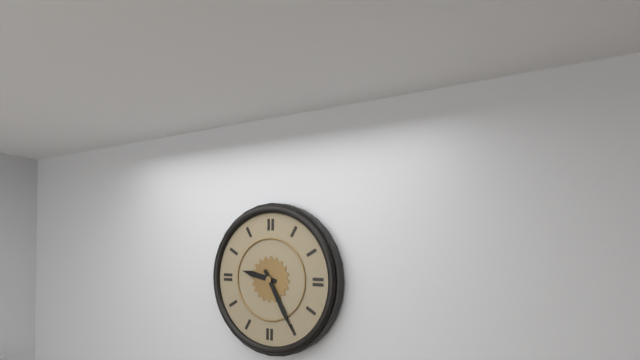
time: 9:25
